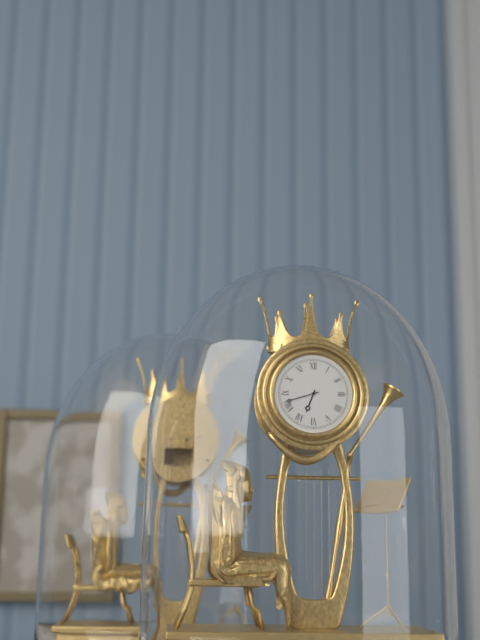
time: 6:42
